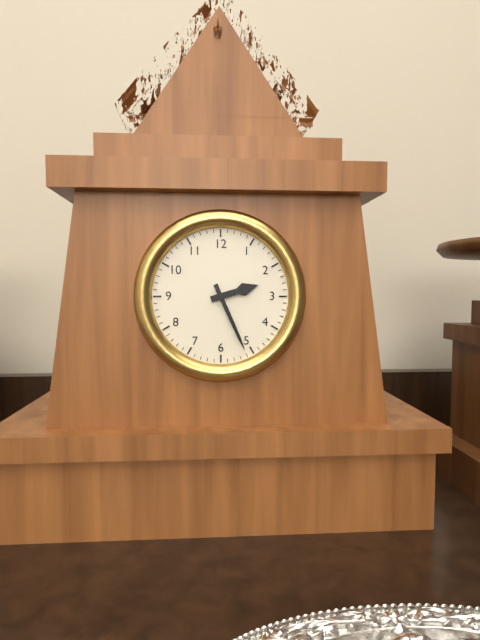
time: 2:26
